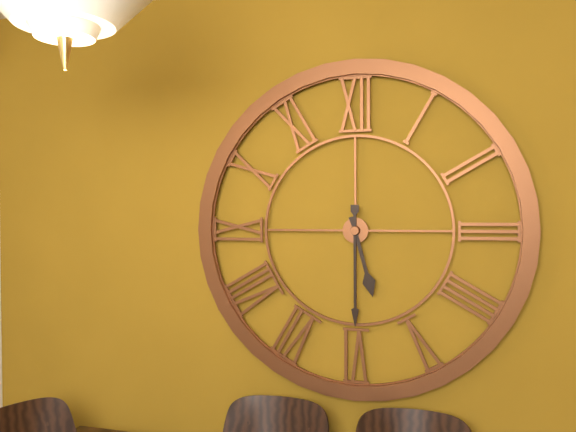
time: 5:30
